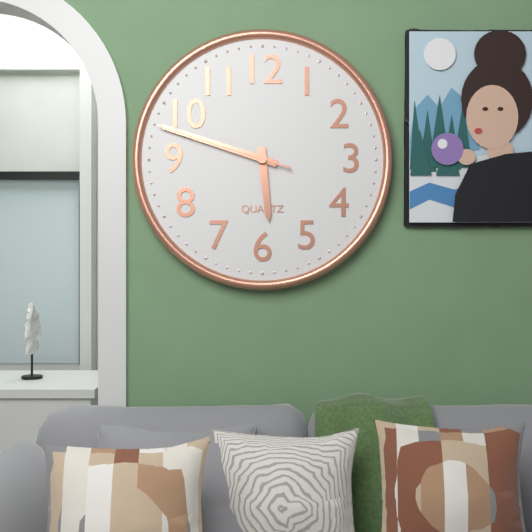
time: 5:48:48
